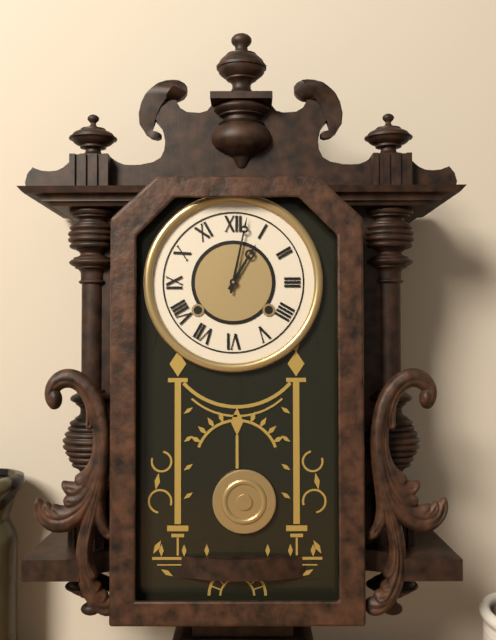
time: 1:02
